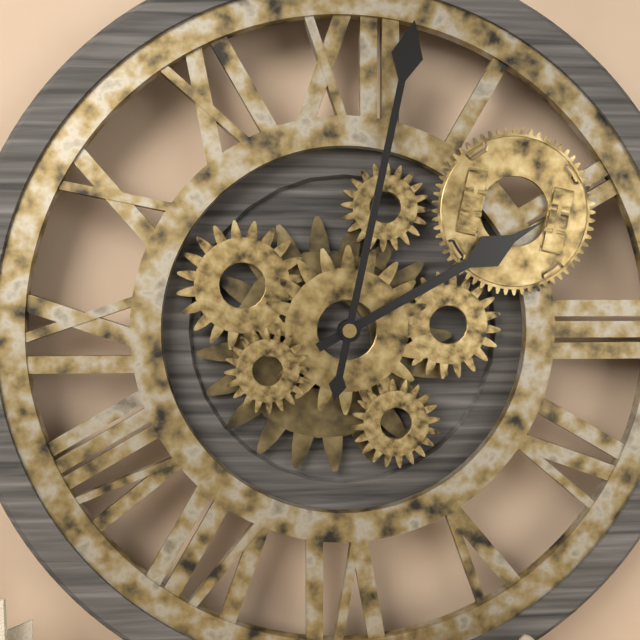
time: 2:02
